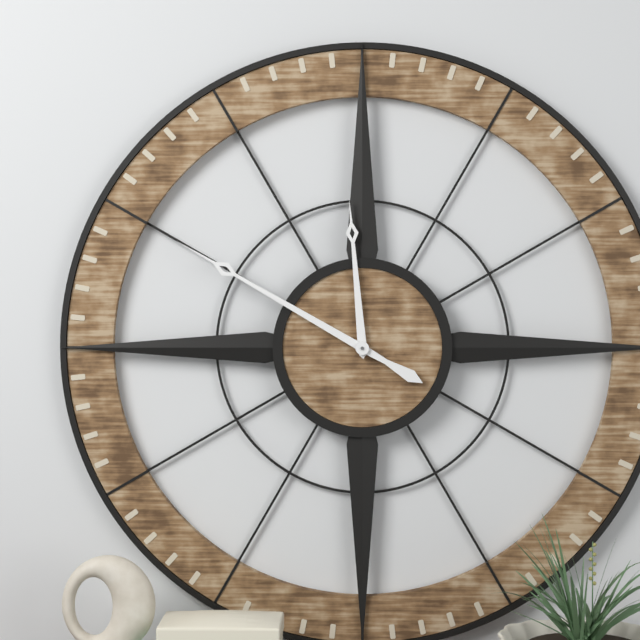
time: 11:50
